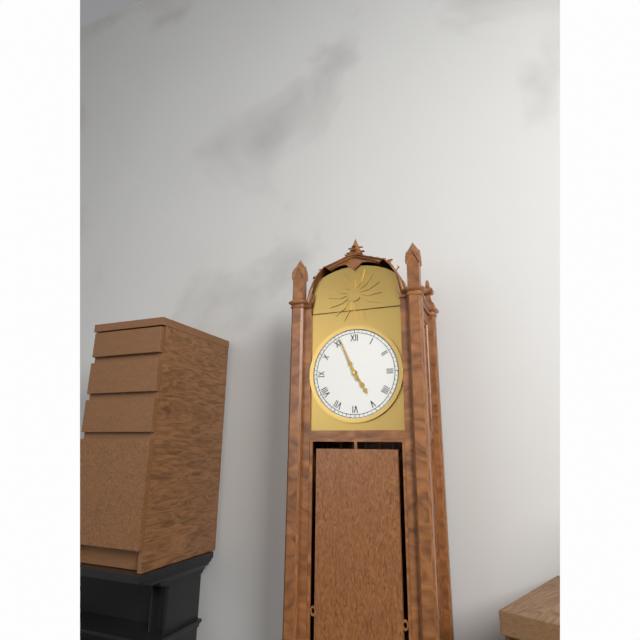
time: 4:56
